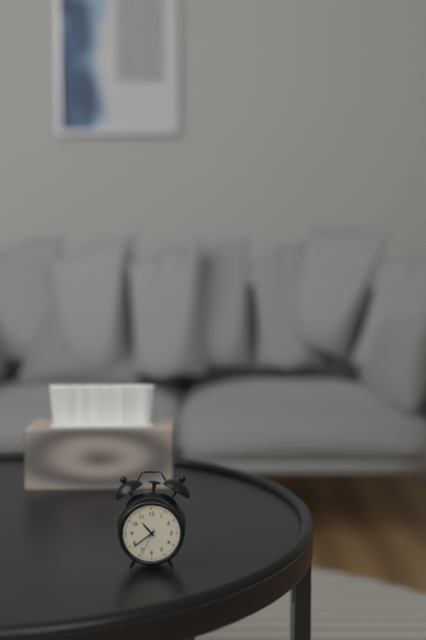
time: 10:39
